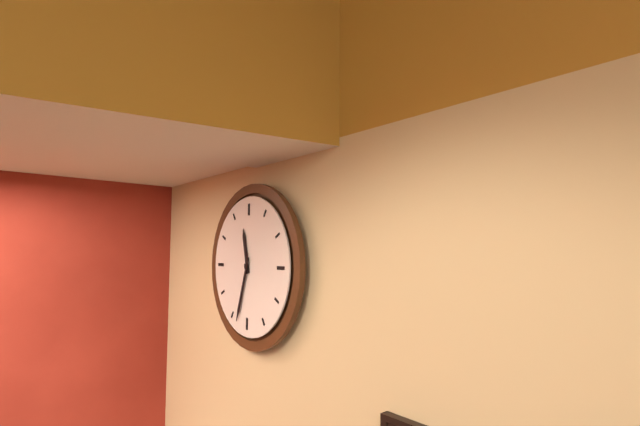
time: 11:33
